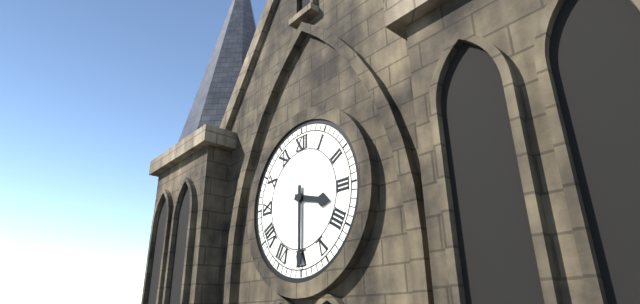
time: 3:30
